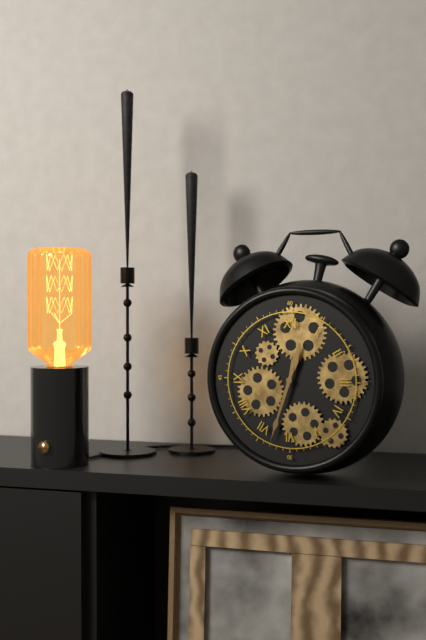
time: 12:33
